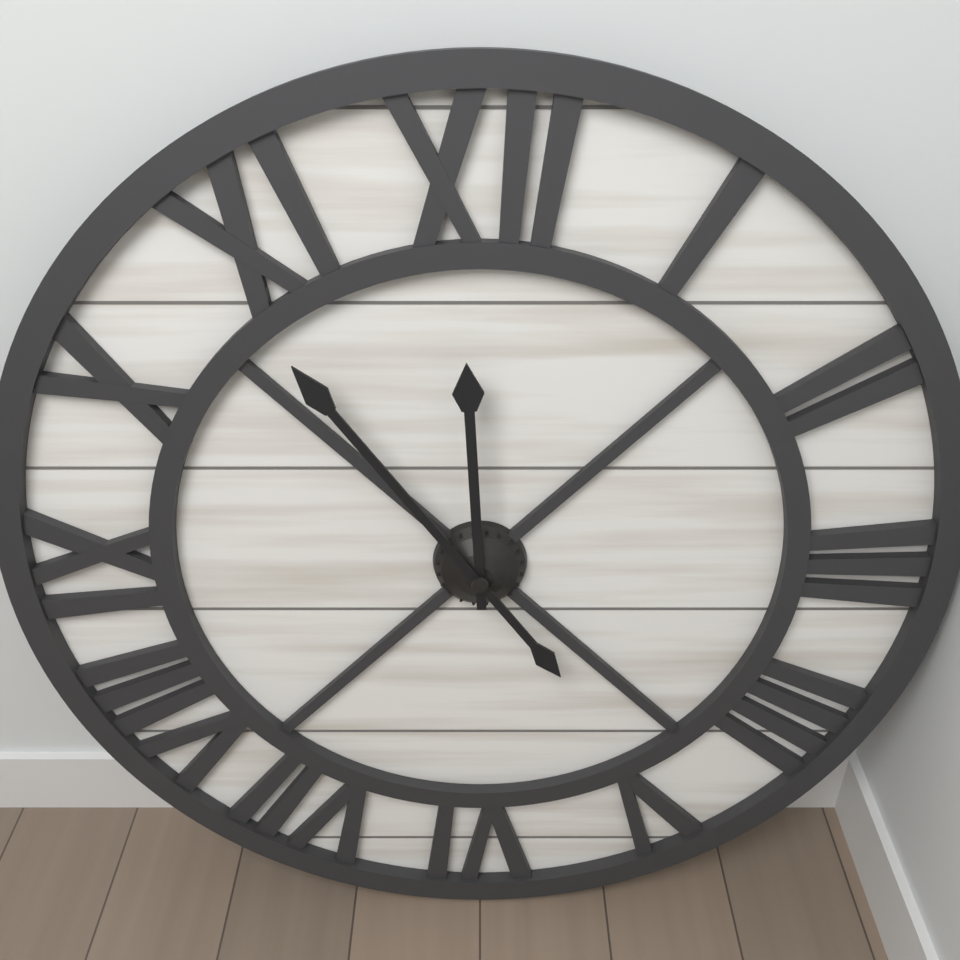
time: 11:54
